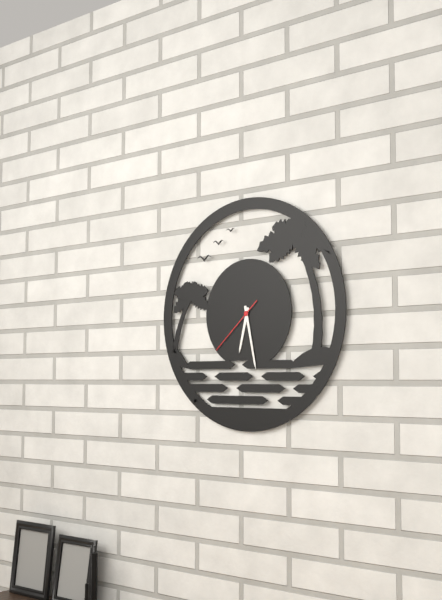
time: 6:28:38
